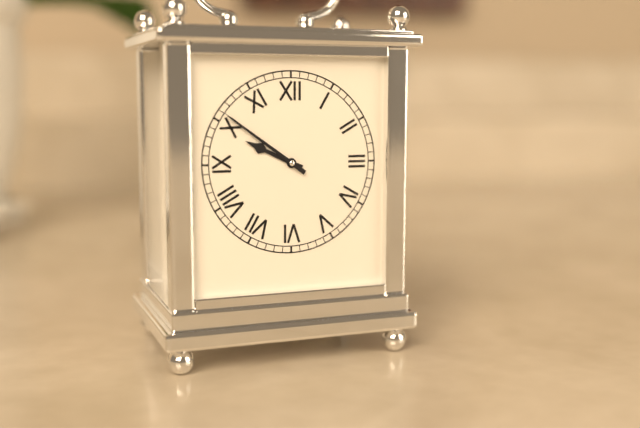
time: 9:51
